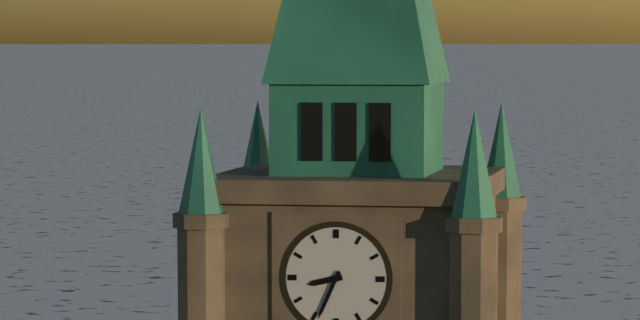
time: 8:34
